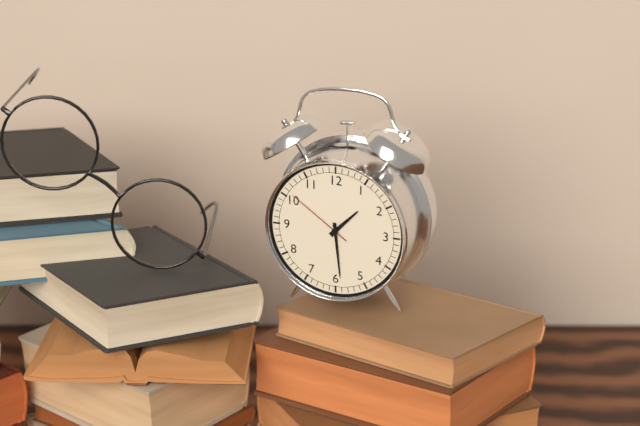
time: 1:29:51
